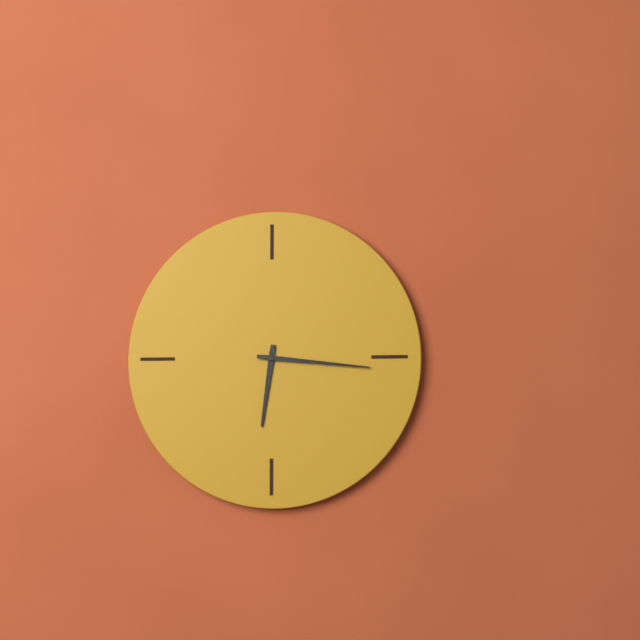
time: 6:16
